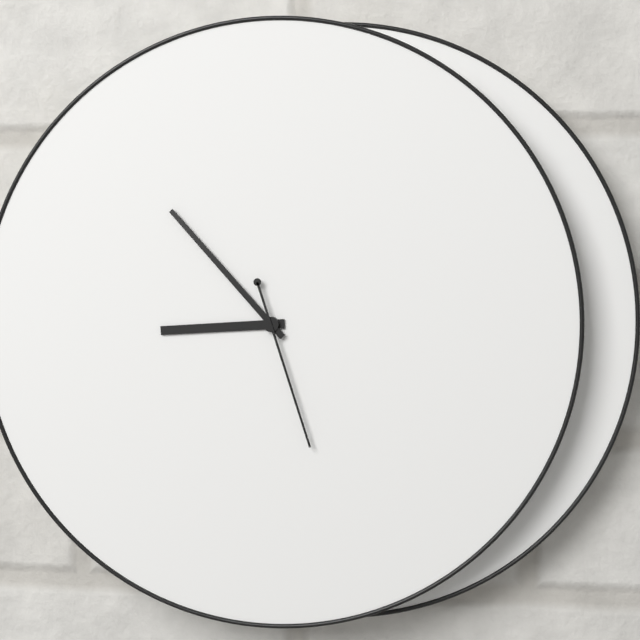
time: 8:53:27
